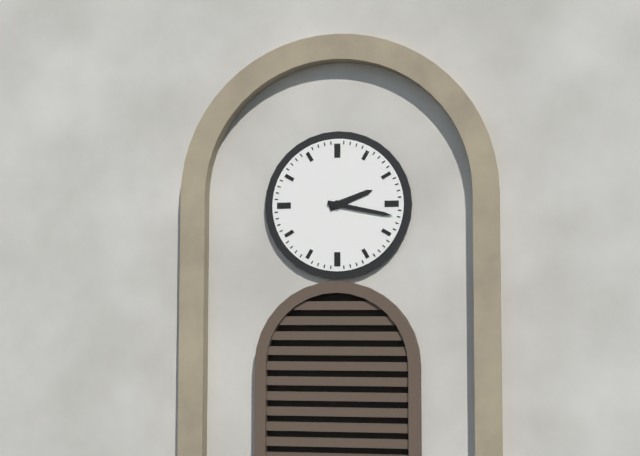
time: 2:17
